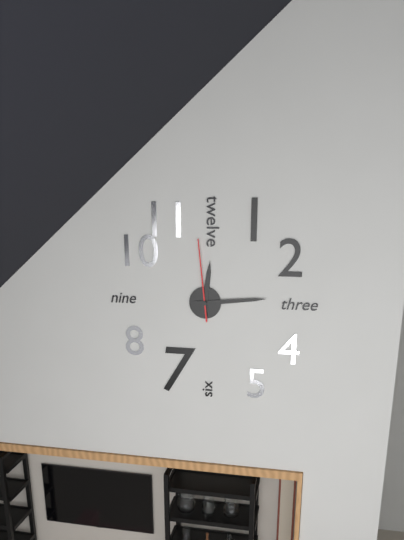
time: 12:14:59
